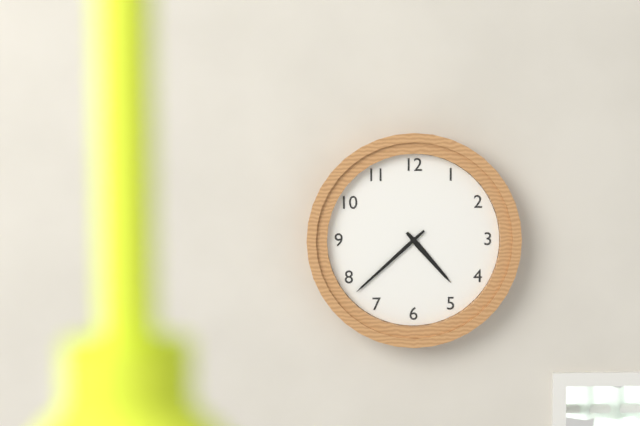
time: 4:38
